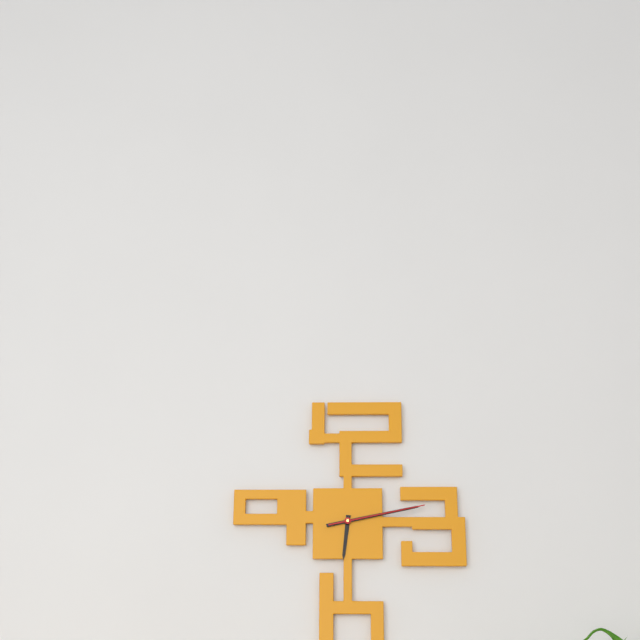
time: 6:13:13
